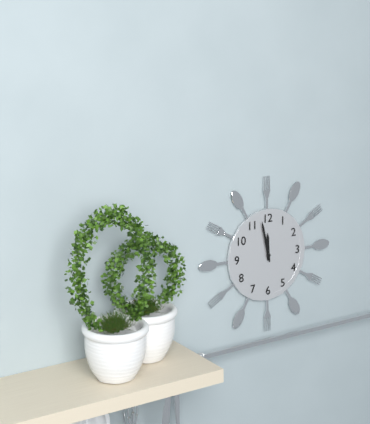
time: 11:58
